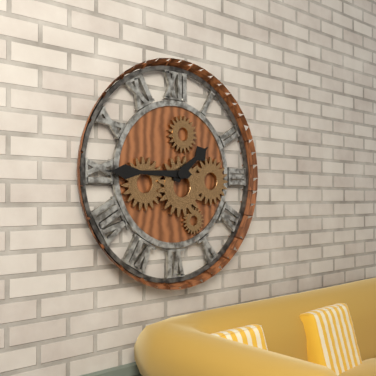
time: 1:45
